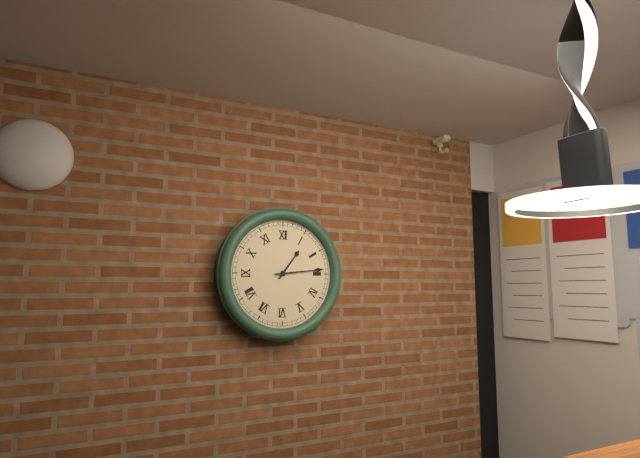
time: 1:14
